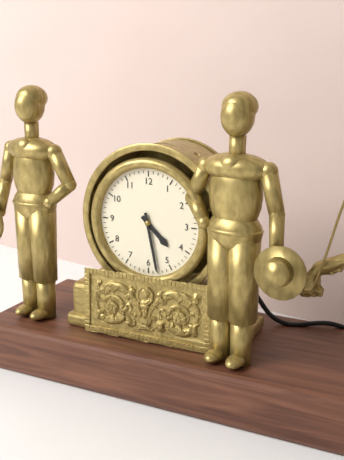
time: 4:28
